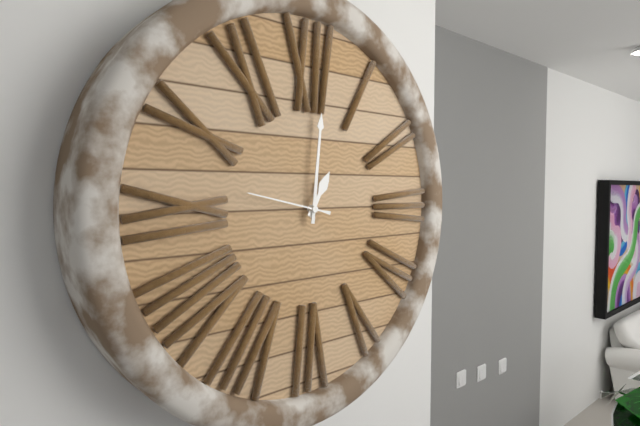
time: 1:01:47
